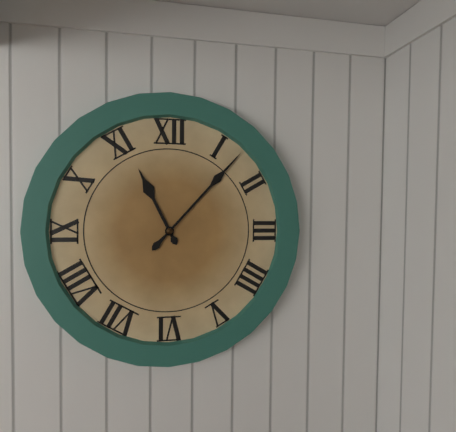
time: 11:07
